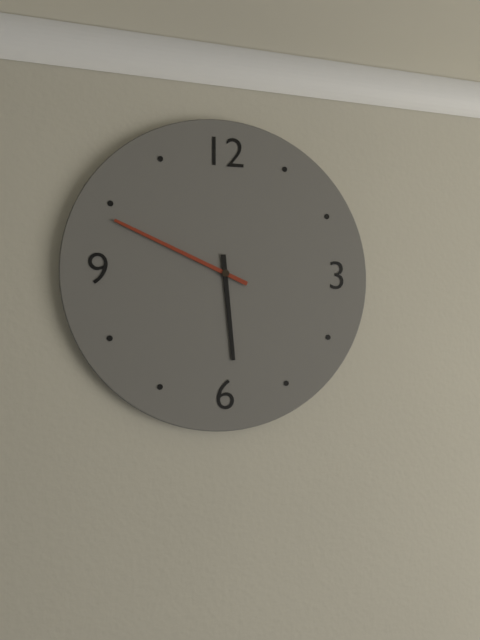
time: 5:49
